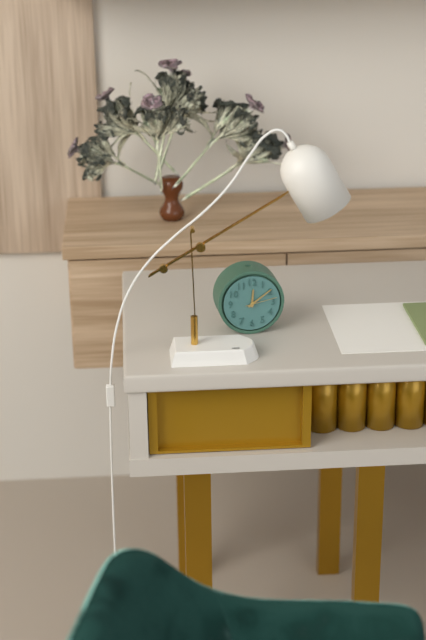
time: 12:09
